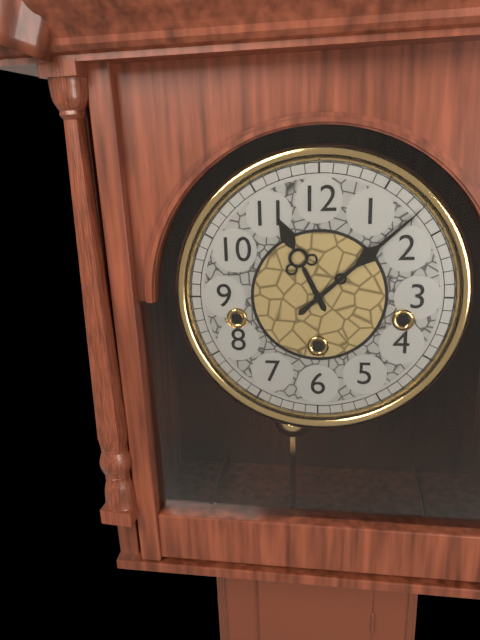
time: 11:08
